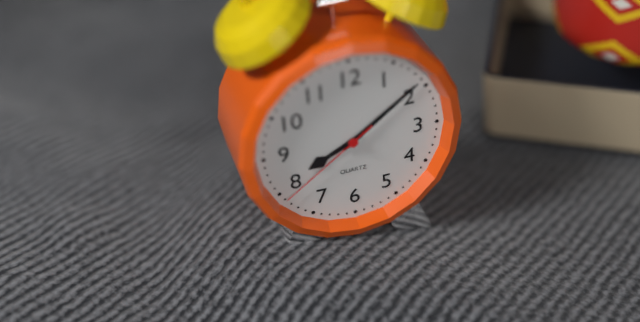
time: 8:09:39
